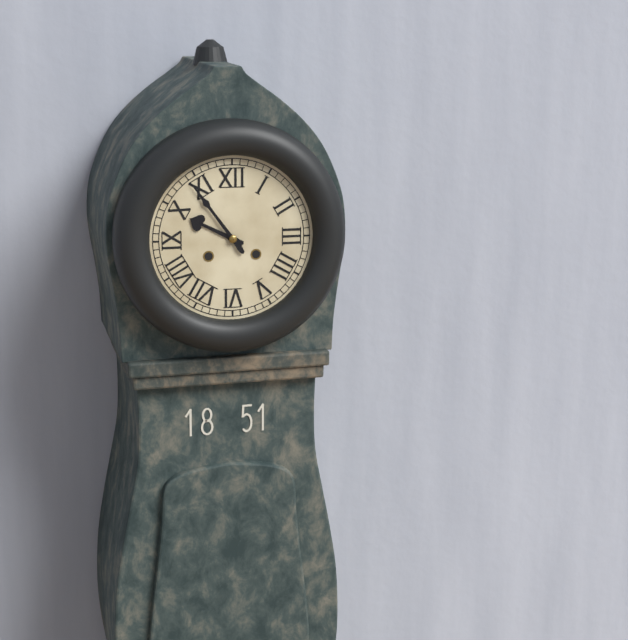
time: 9:54
